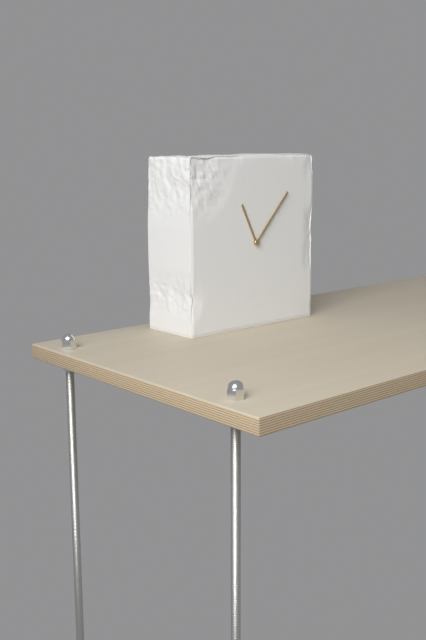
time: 11:07
